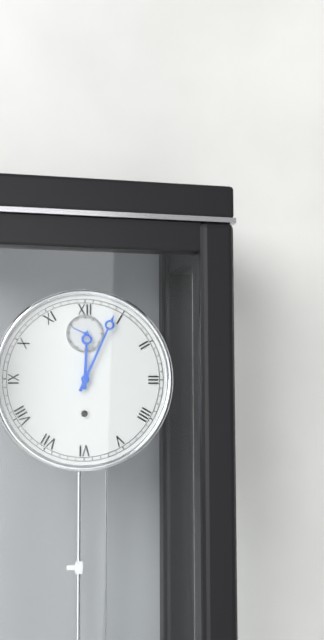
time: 12:04
